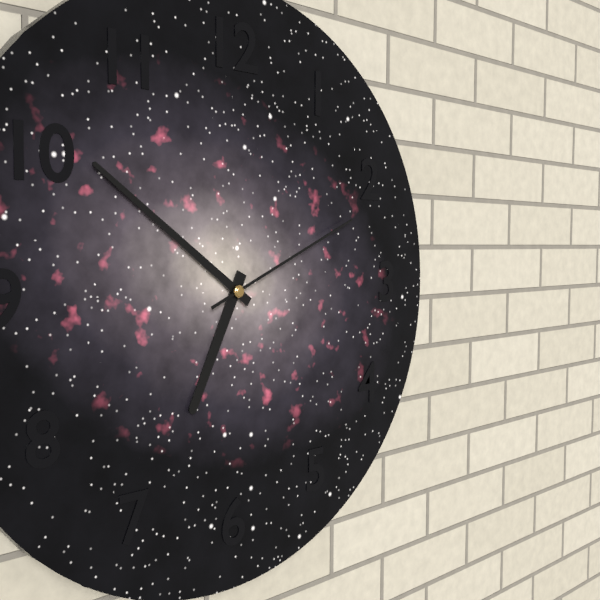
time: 6:51:11
